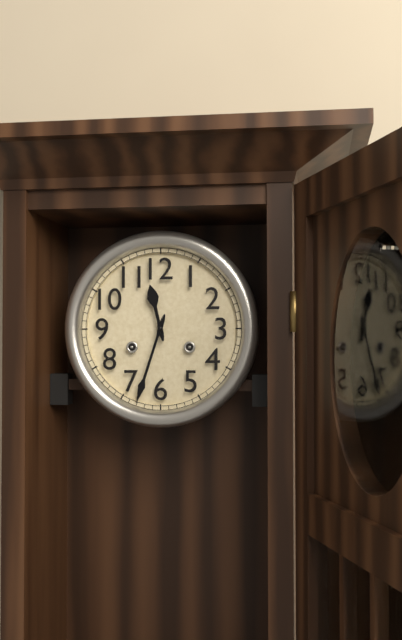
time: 11:33
